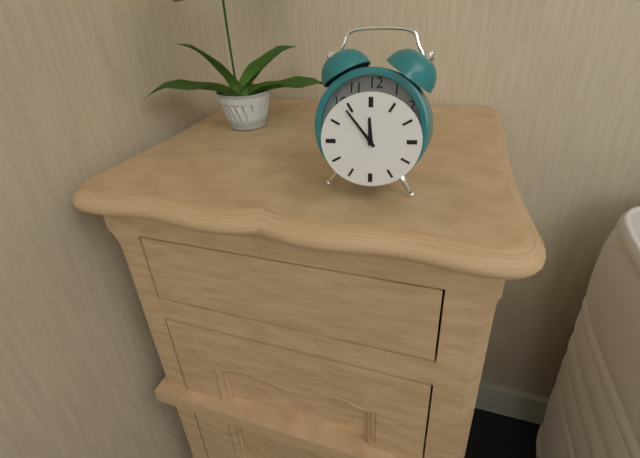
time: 11:54
